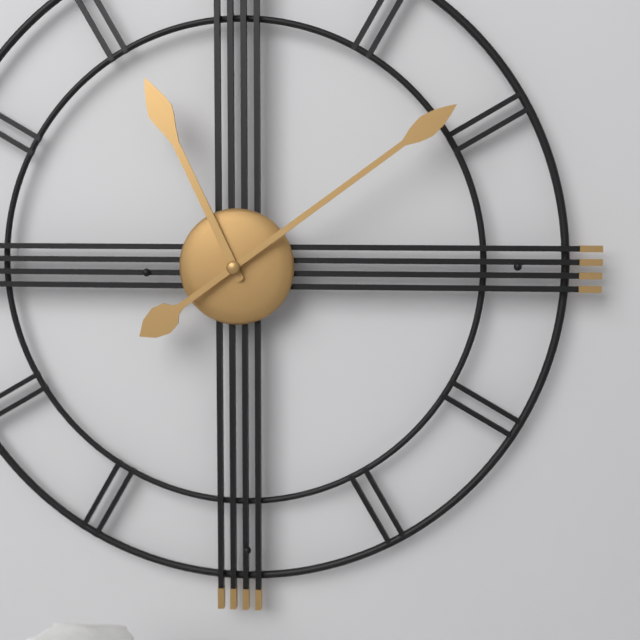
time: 11:09
